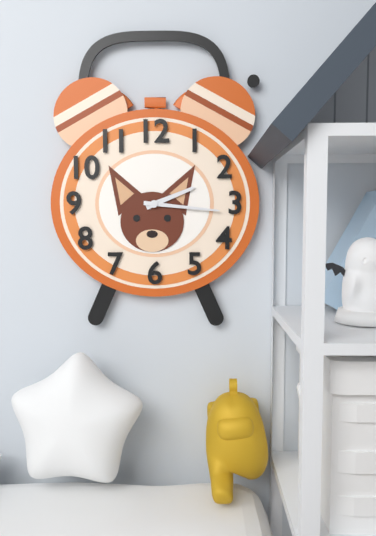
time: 2:16
